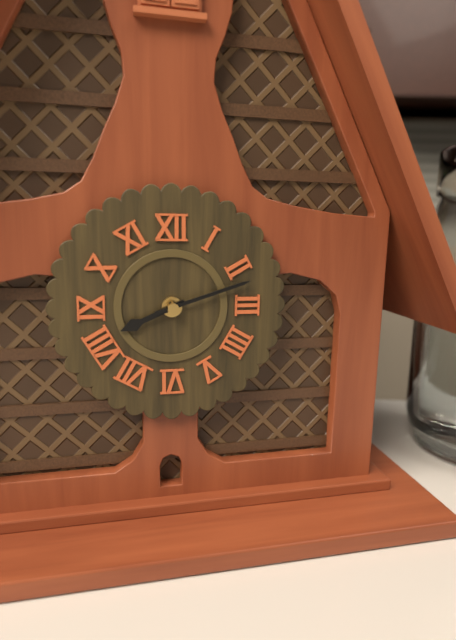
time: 8:12
